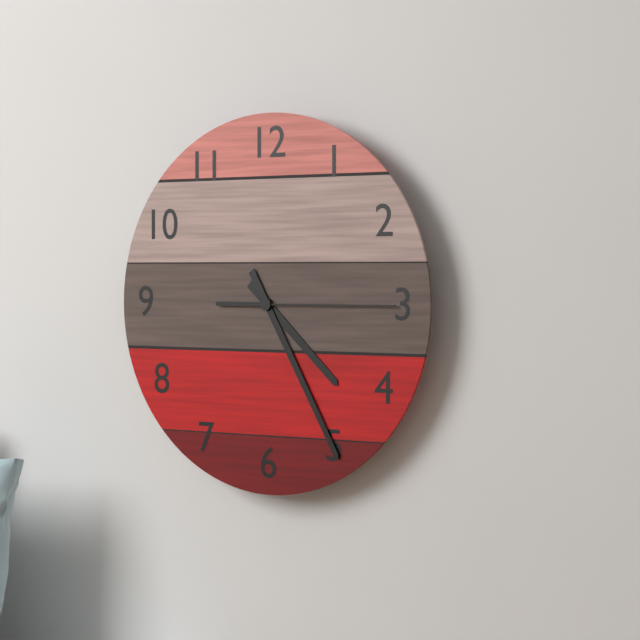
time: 4:25:15
